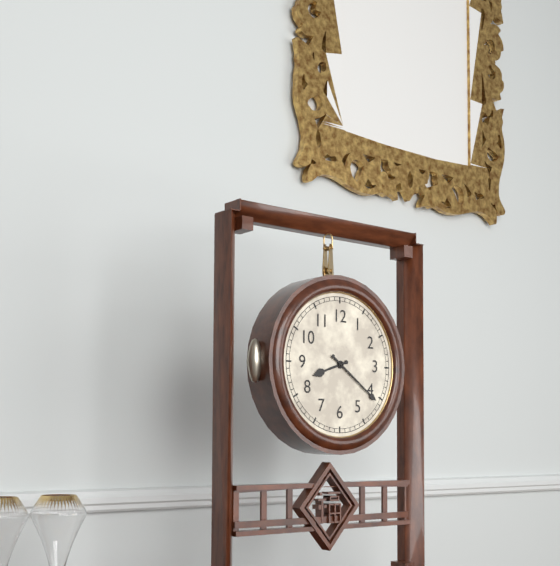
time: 8:21
